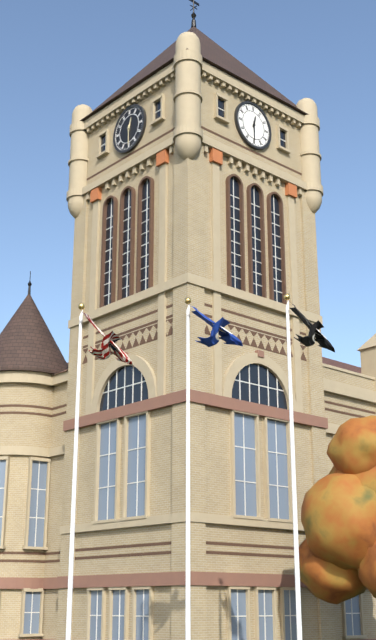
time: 12:30
